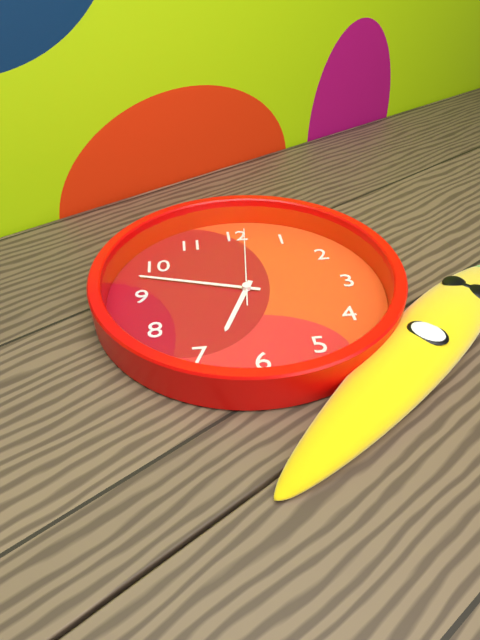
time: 6:48:01
